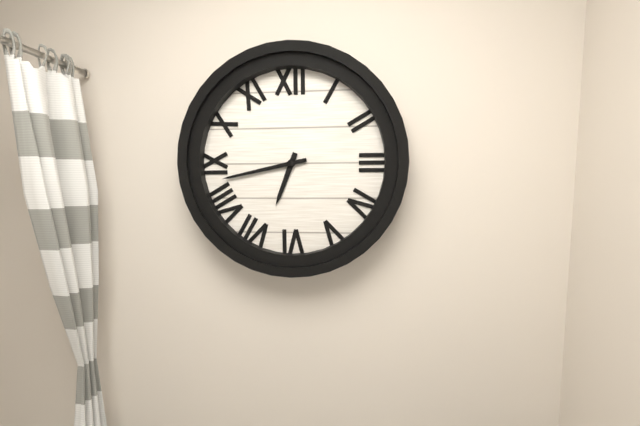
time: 6:43
